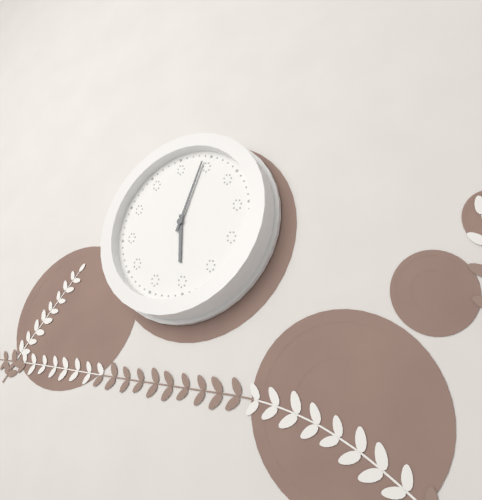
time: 6:04
